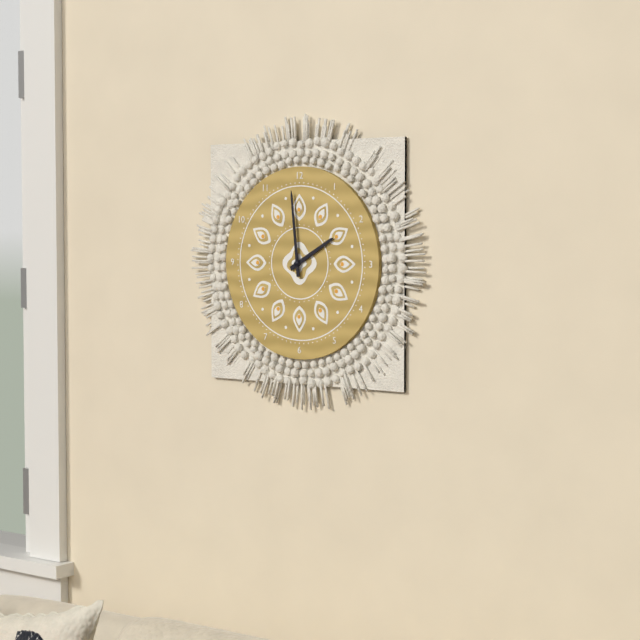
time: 1:59
